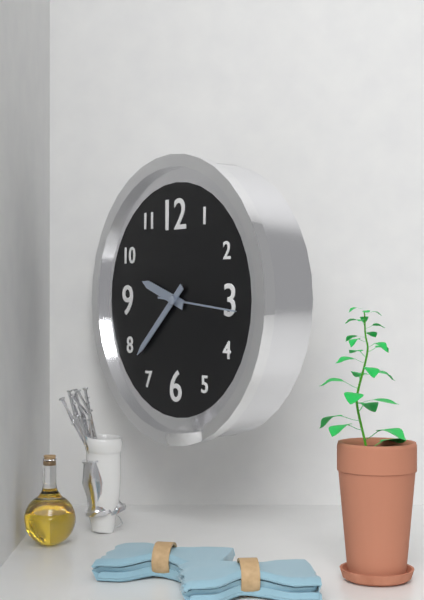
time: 9:38:16
